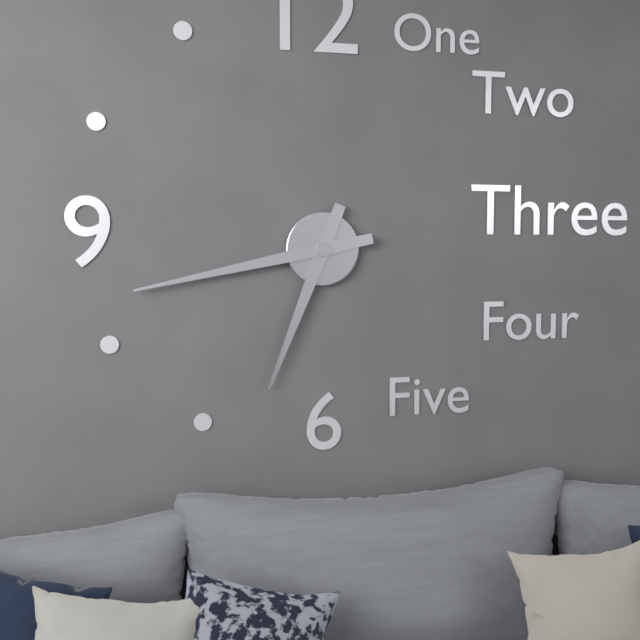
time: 6:43
